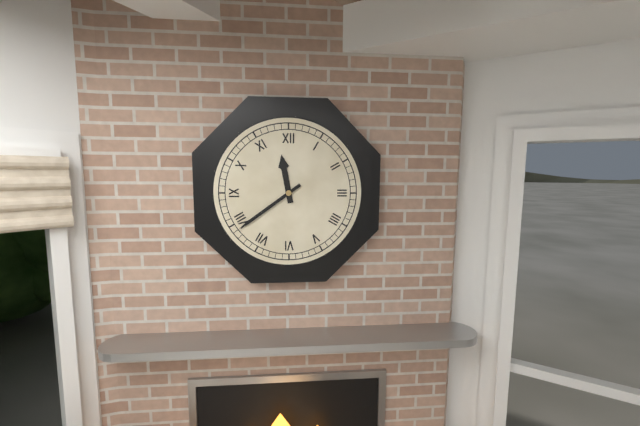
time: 11:39
